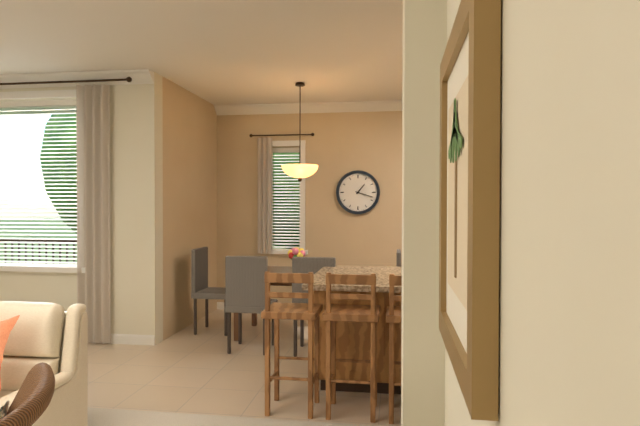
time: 1:18
